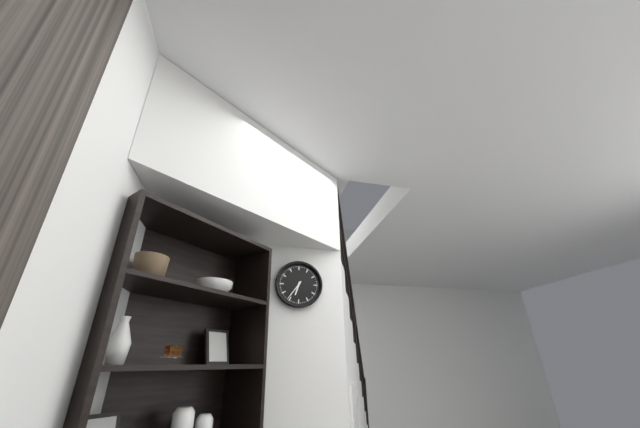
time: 6:36
